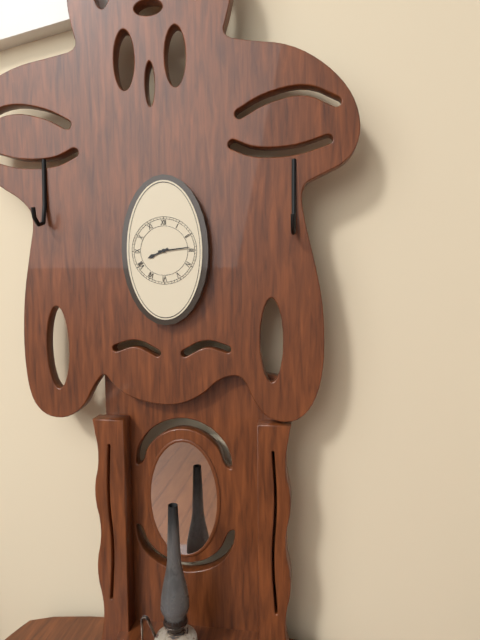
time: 8:14
